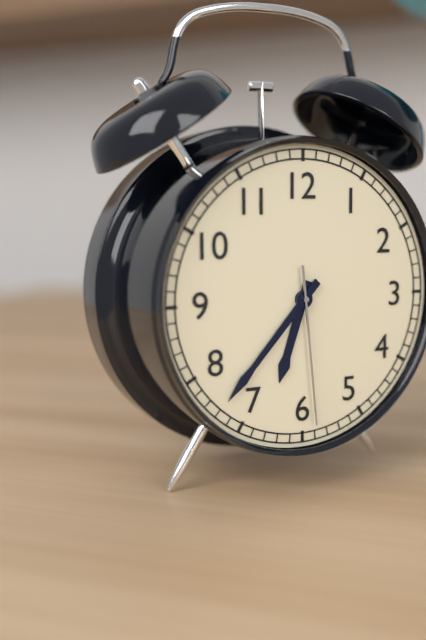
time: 6:37:29
